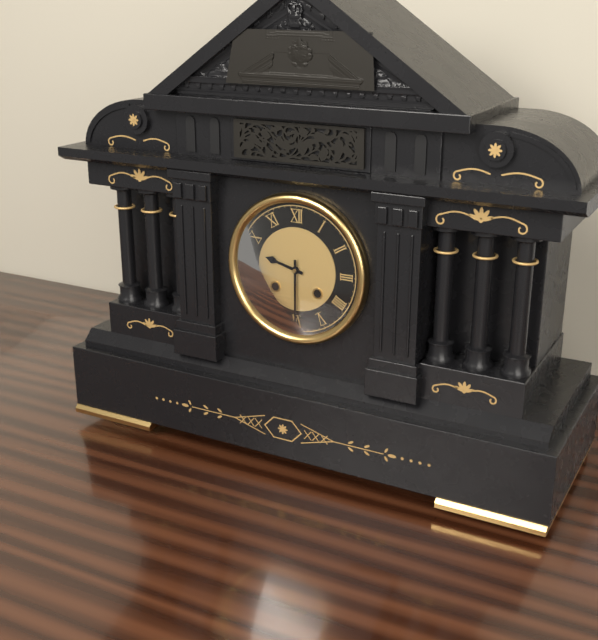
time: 9:30
